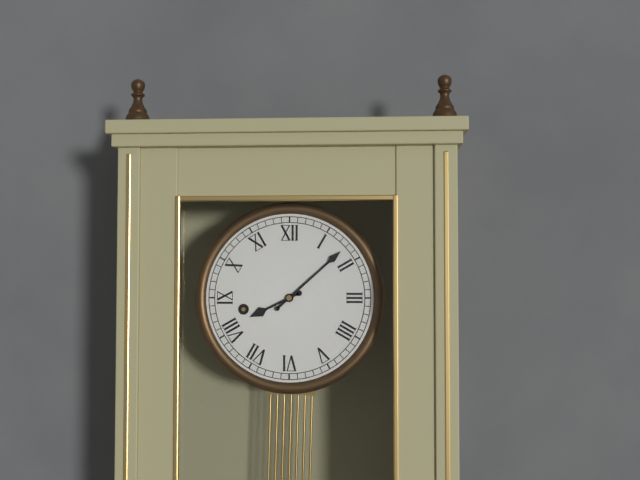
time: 8:08
